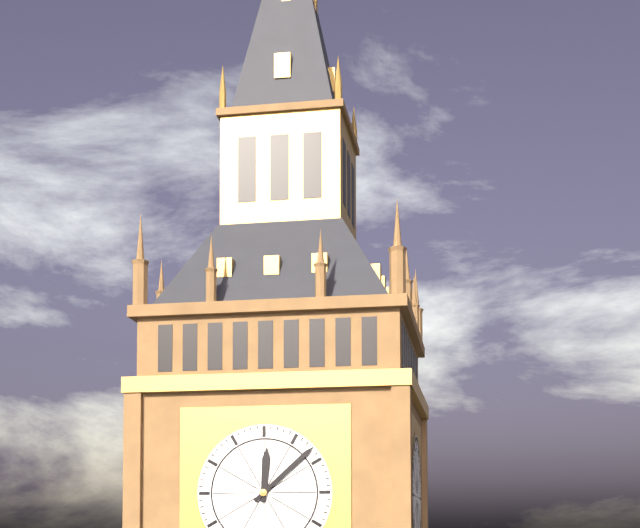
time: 12:08
